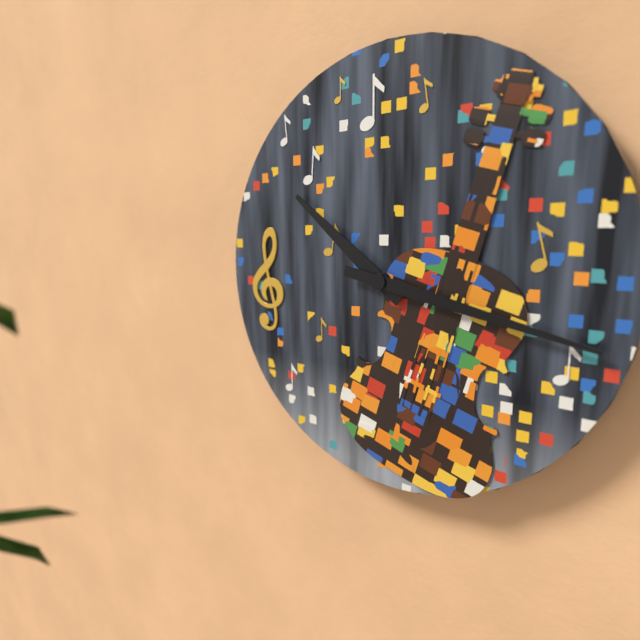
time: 10:17
